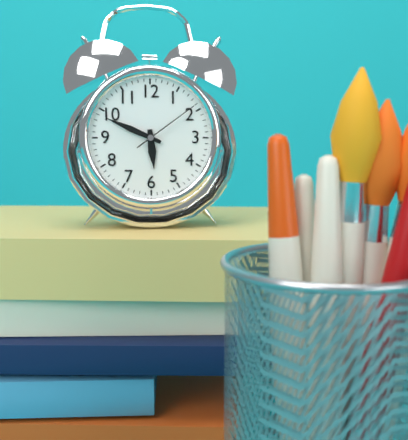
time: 5:49:09
